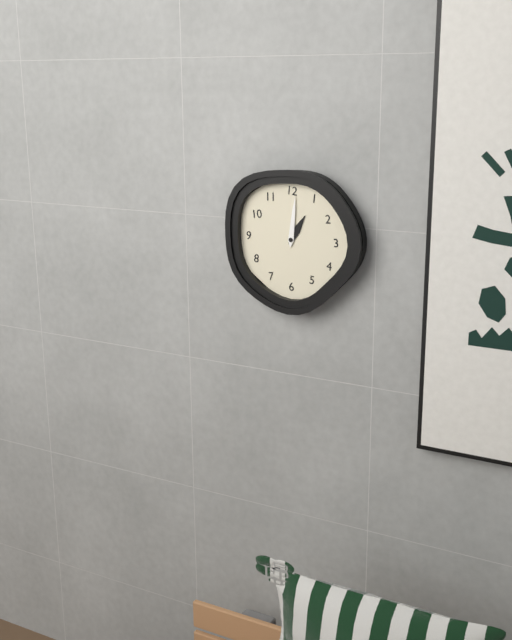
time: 1:01
